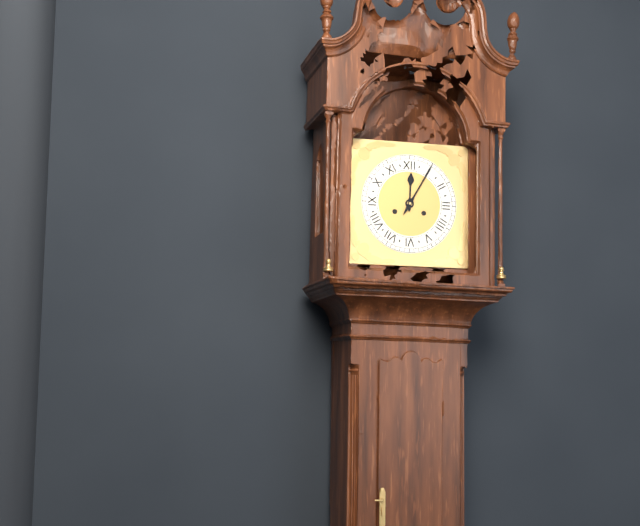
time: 12:05
